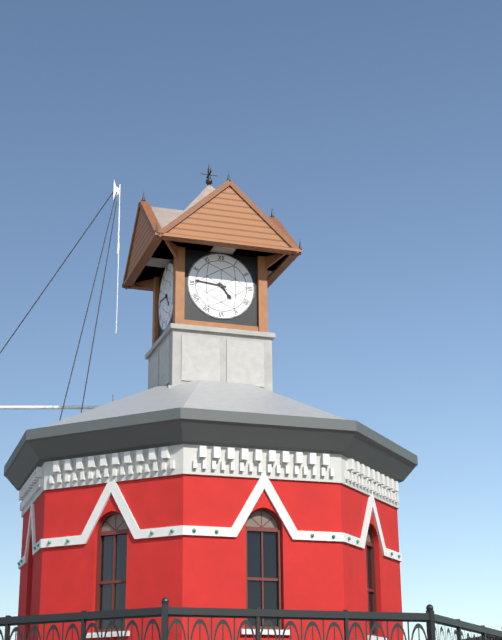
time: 4:46
